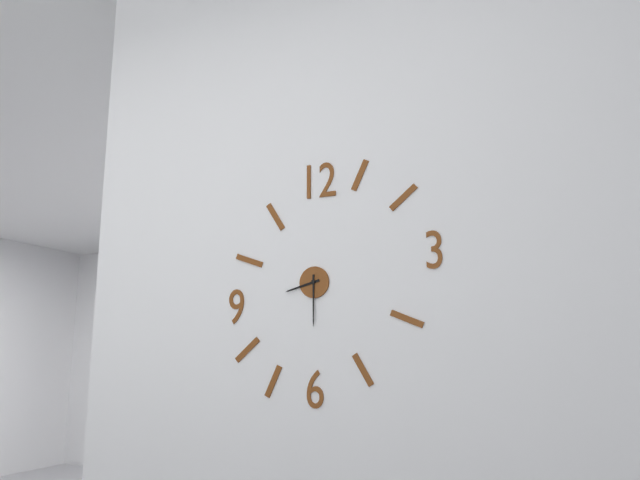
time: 8:30
